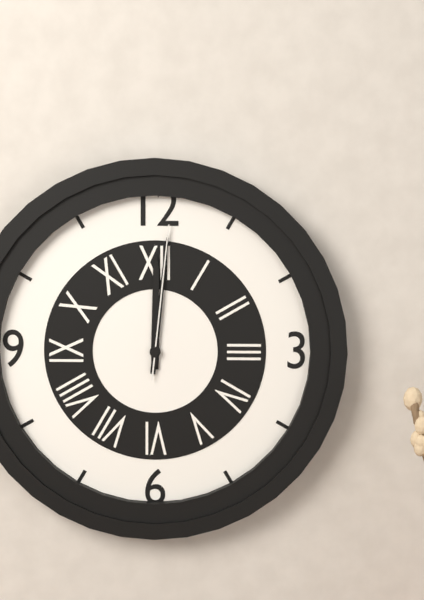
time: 12:01:01
